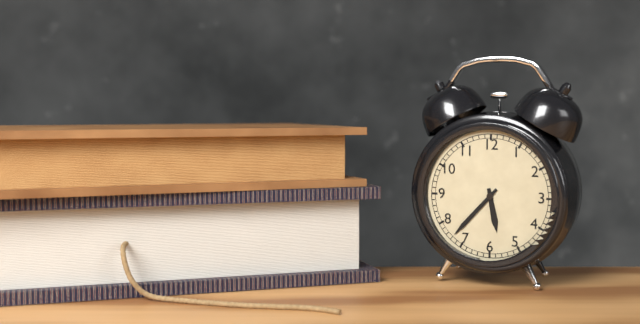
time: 5:37
